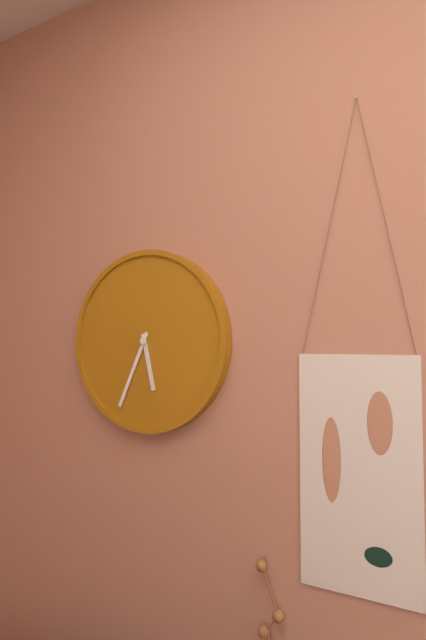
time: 5:34
